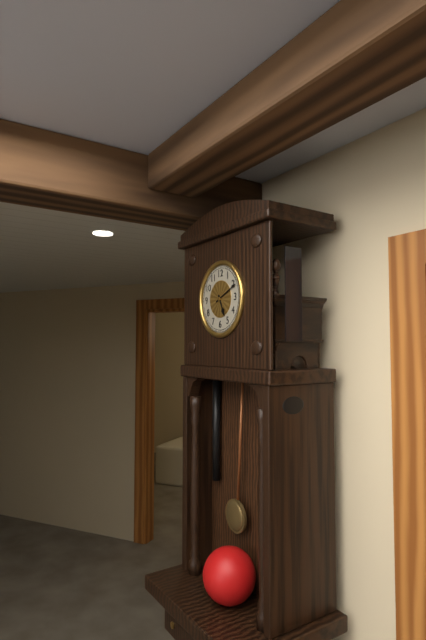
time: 5:11
